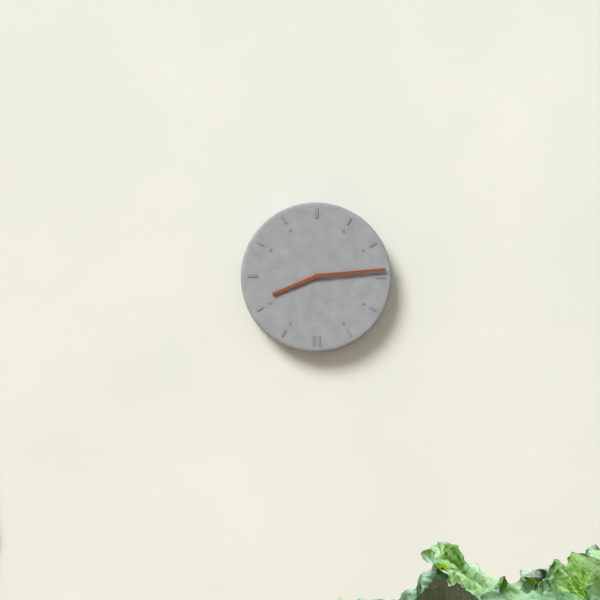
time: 8:14
